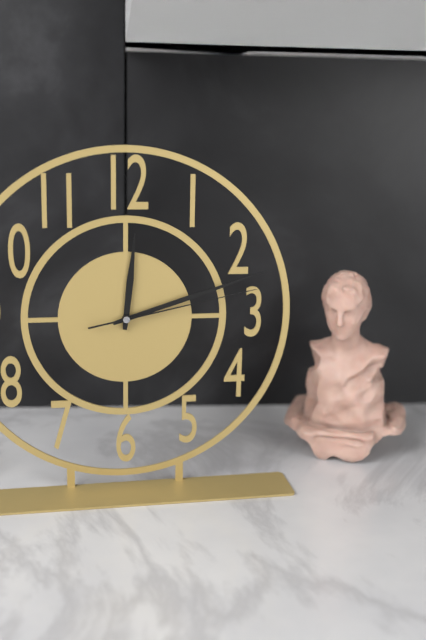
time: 12:12:13
